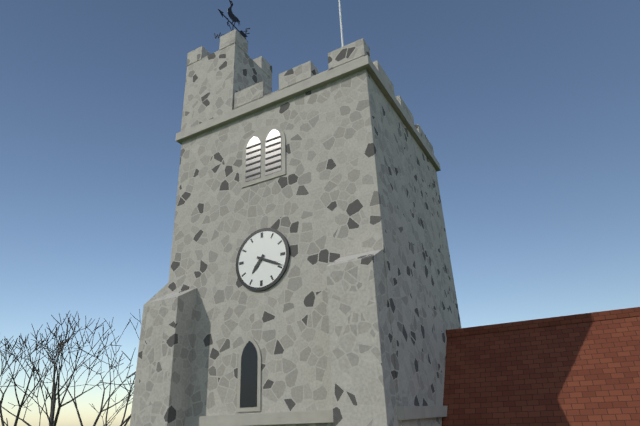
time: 7:19
